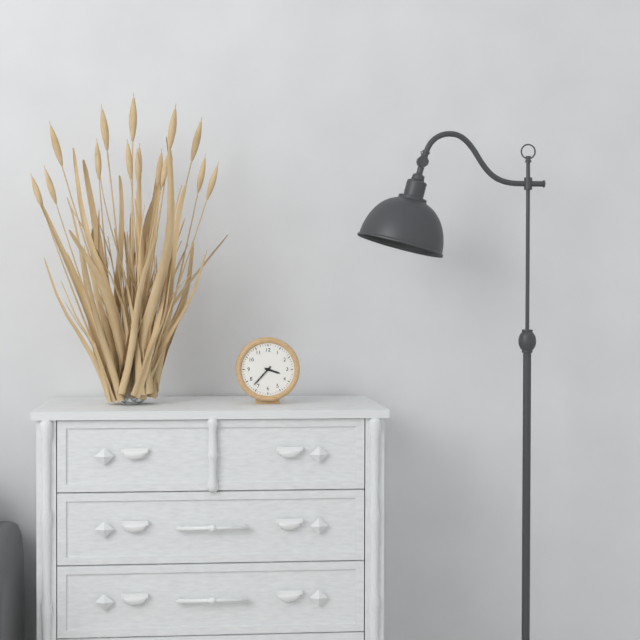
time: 3:37
